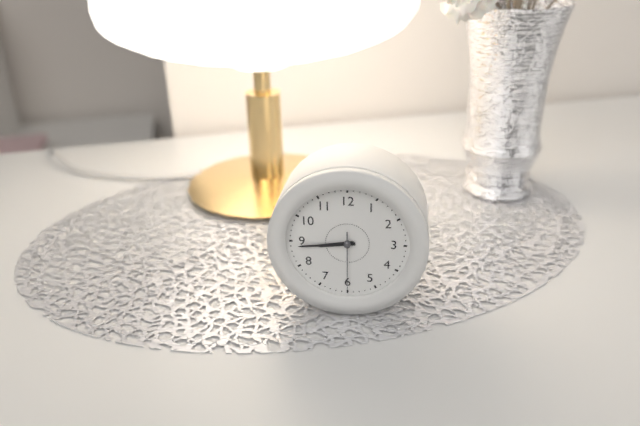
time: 8:44:30
